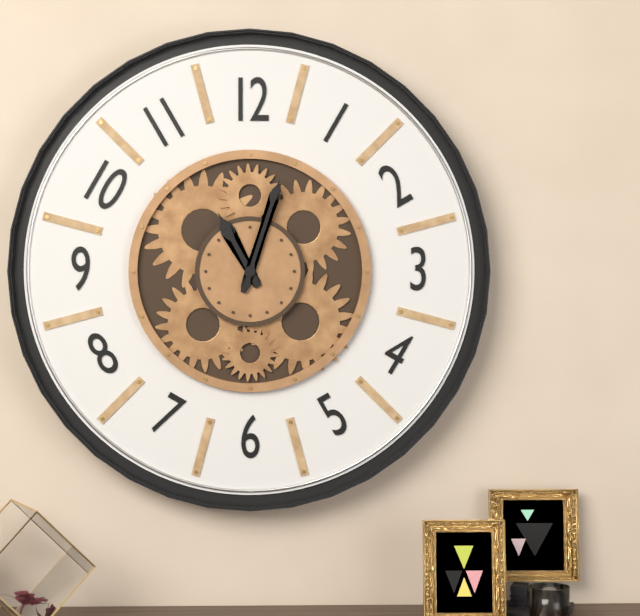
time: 11:03
